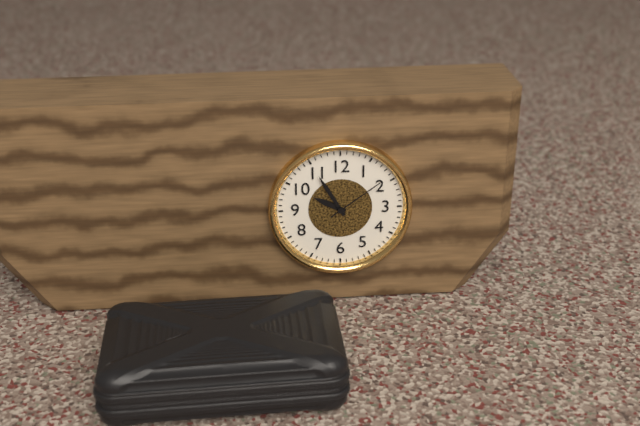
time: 9:55:09
